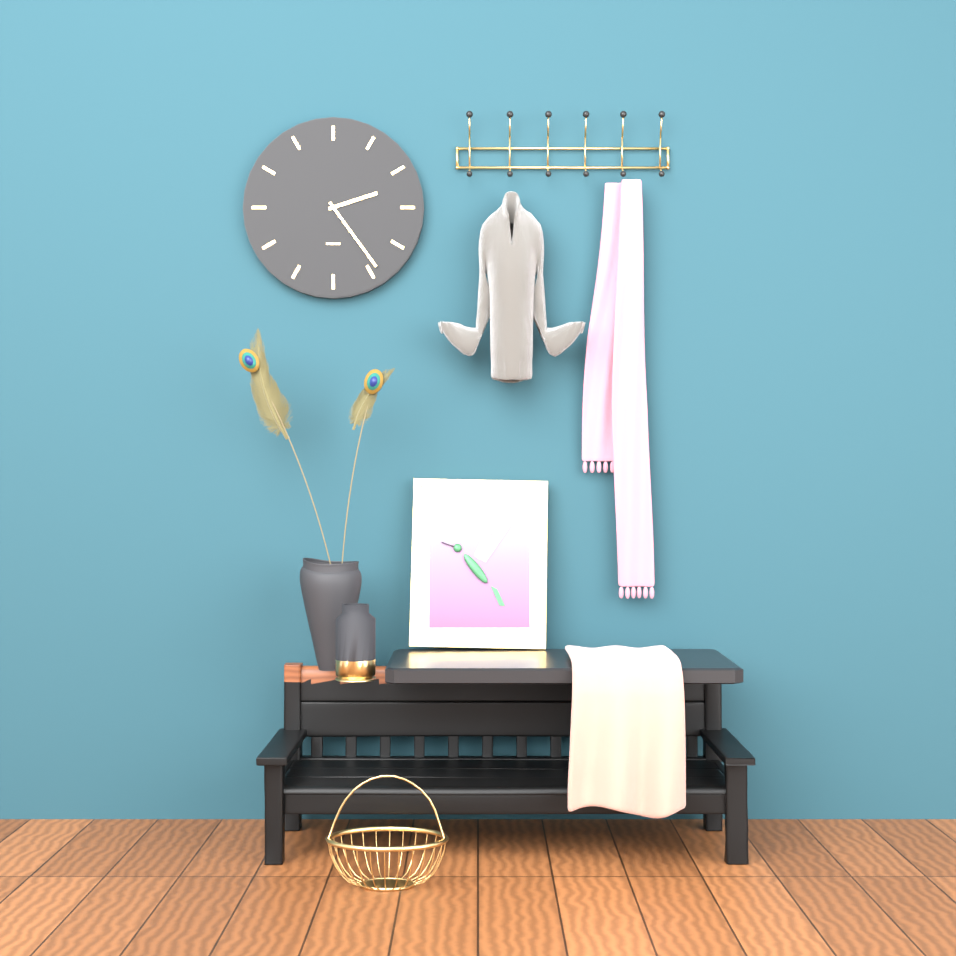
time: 2:24
